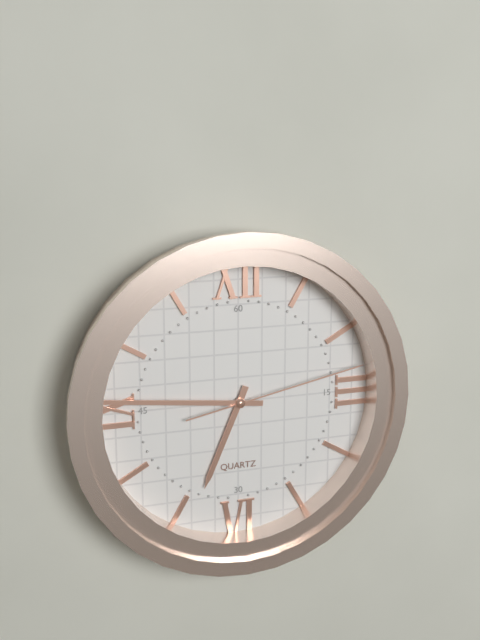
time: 6:46:13
